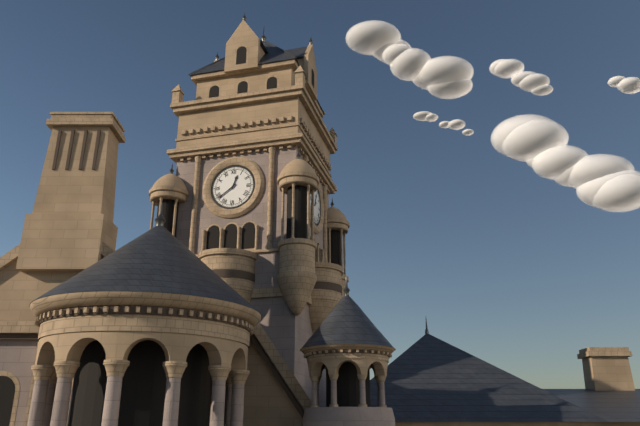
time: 12:39
